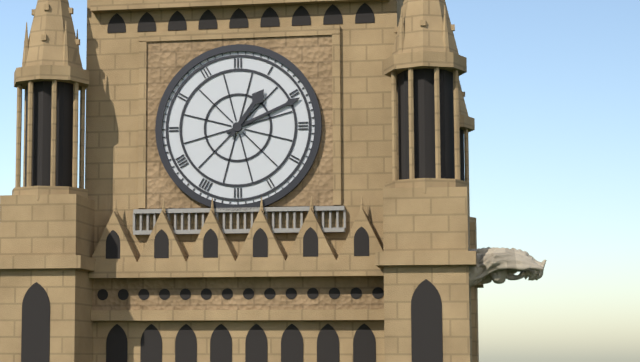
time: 1:11
